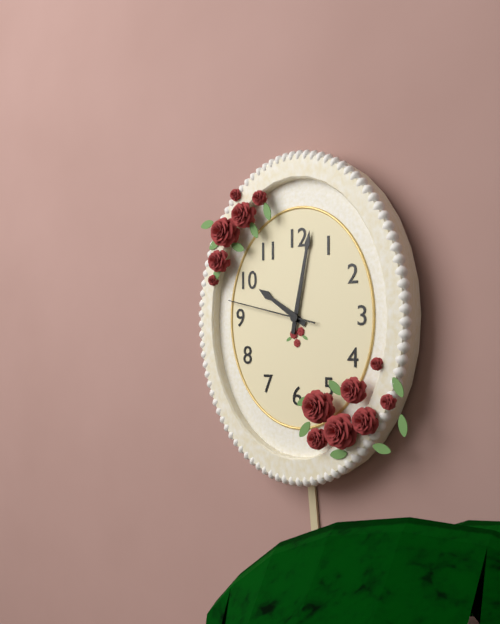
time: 10:02:47
